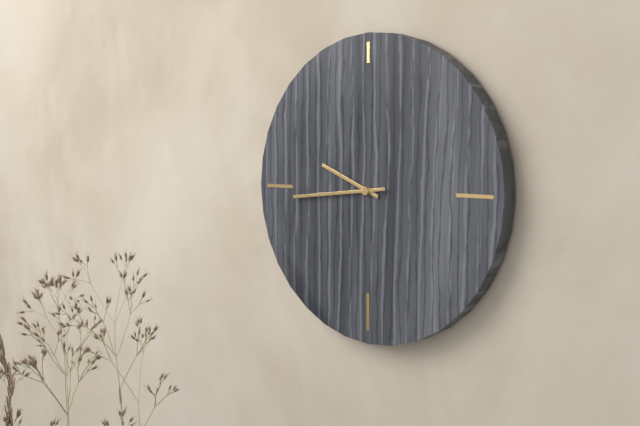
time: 9:44
